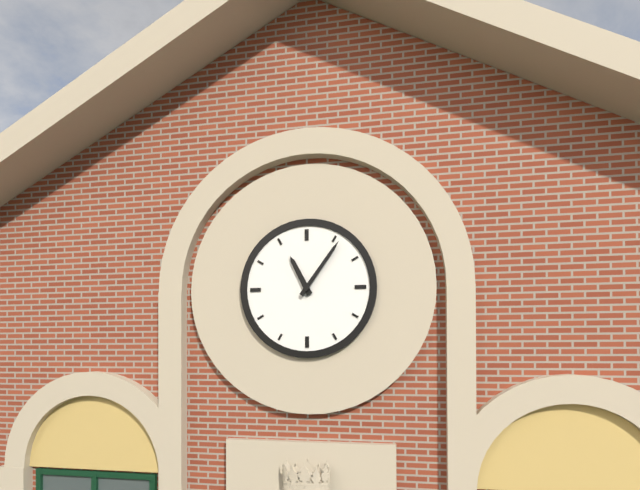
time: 11:06
